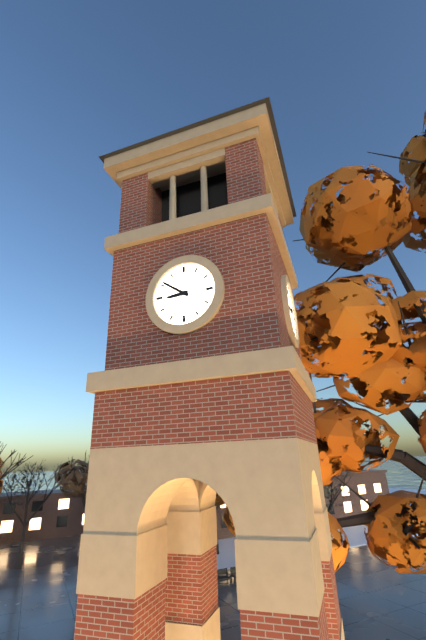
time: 8:51
